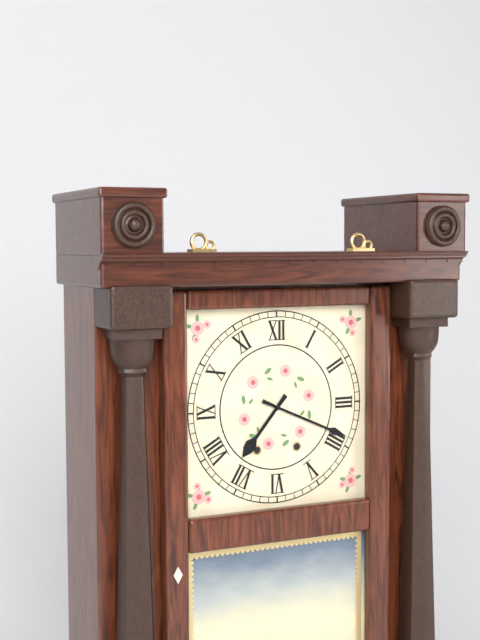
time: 7:19
